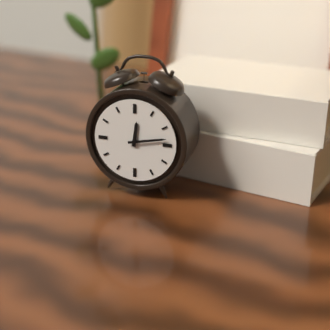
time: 12:13
